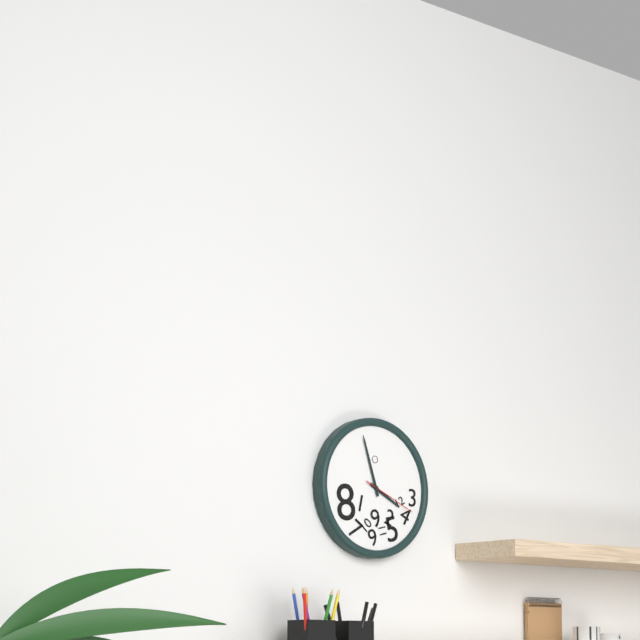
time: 3:57:19
